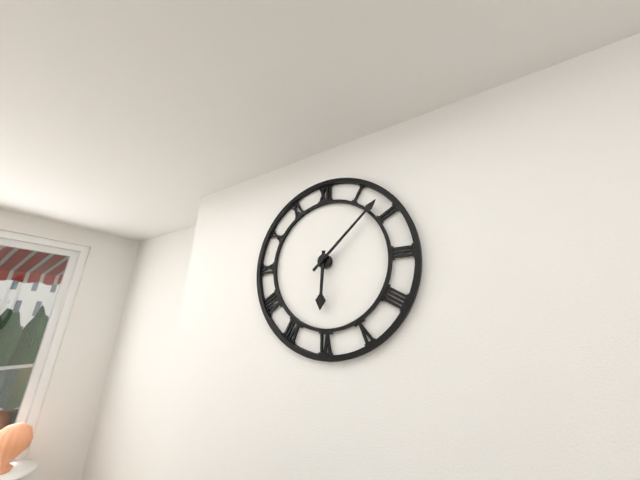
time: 6:08
